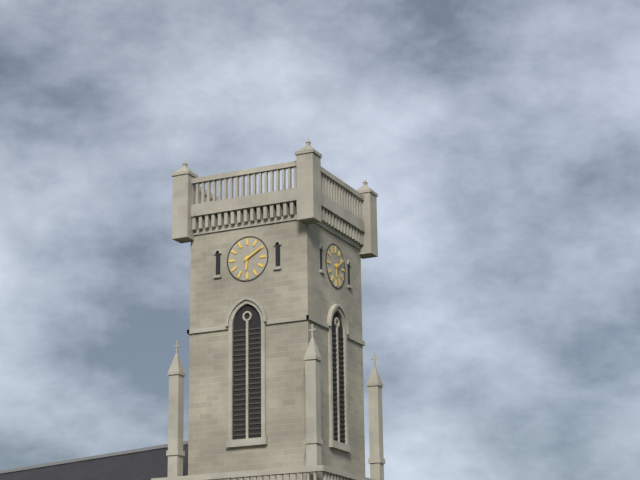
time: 6:10
